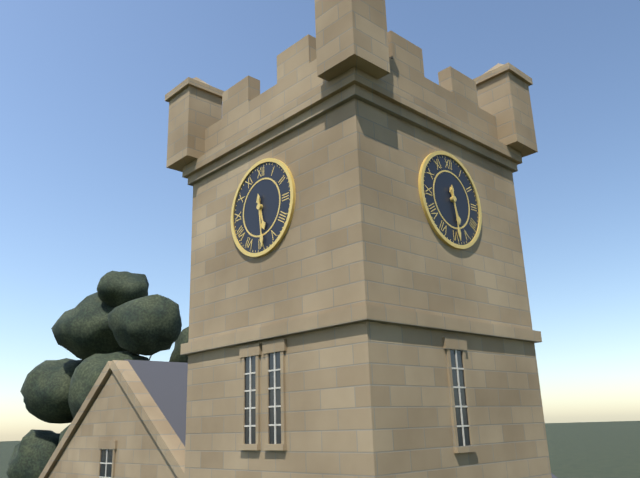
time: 5:29
